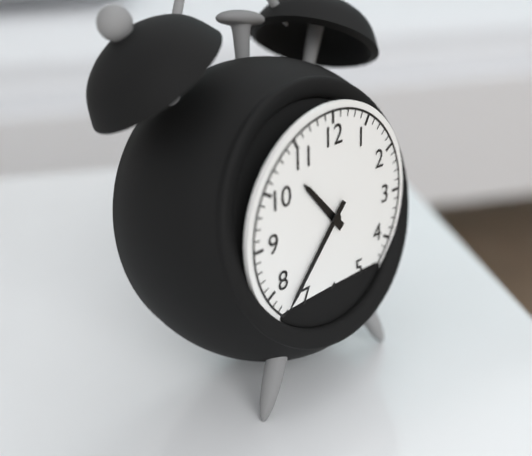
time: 10:37
